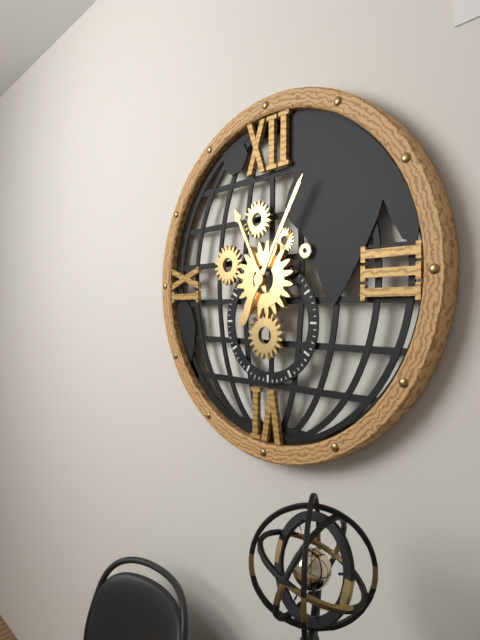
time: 11:05
